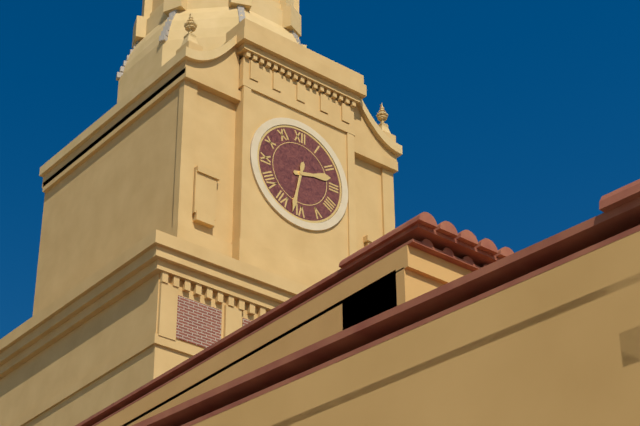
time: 2:32
